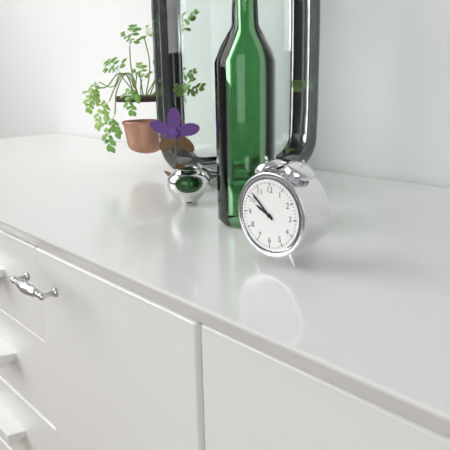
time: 9:52
